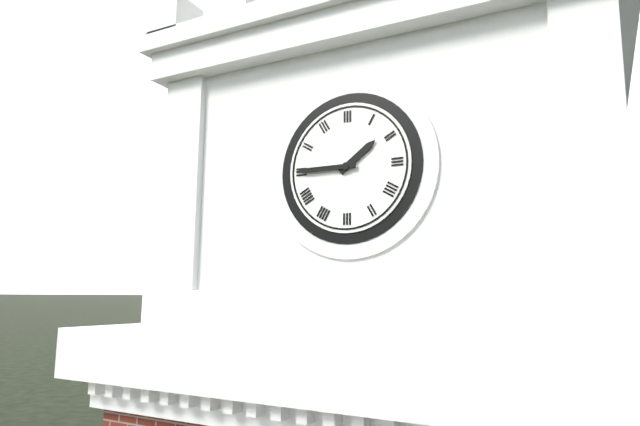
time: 1:45
